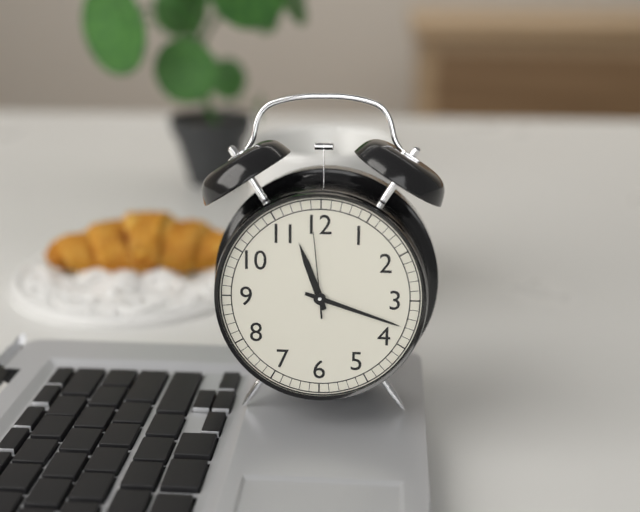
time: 11:18:59
